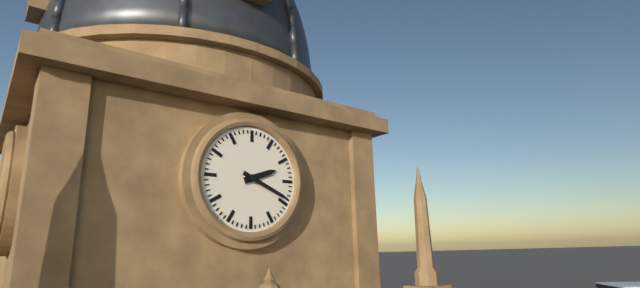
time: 2:19
